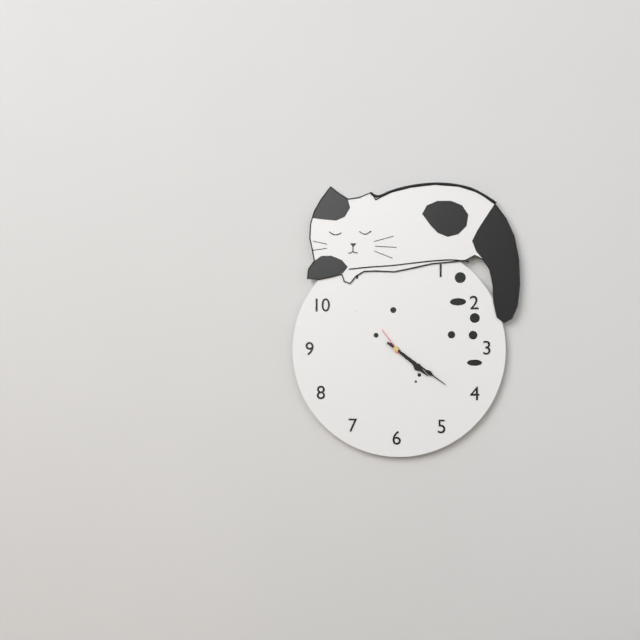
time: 4:21
